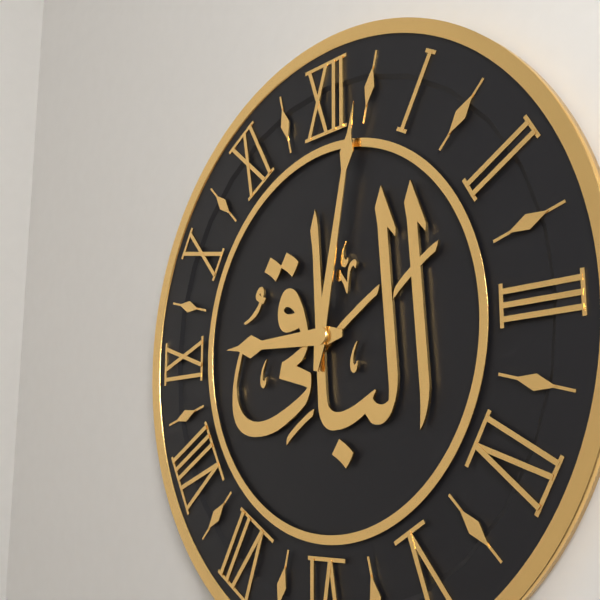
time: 9:02
